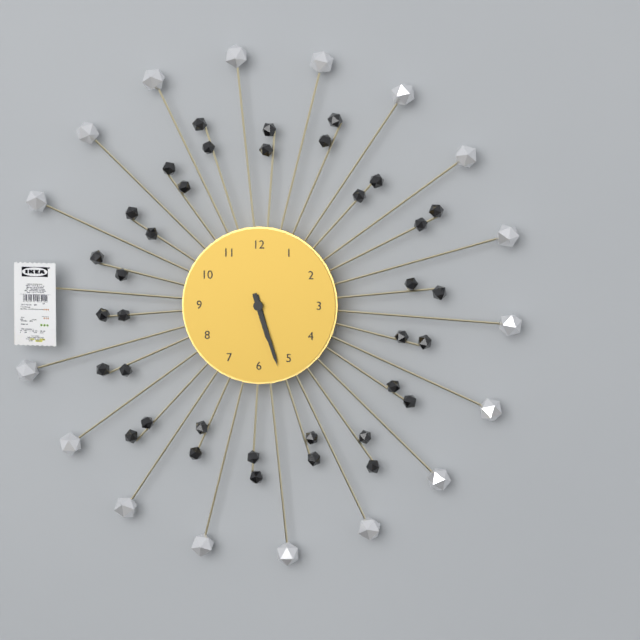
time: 5:27
